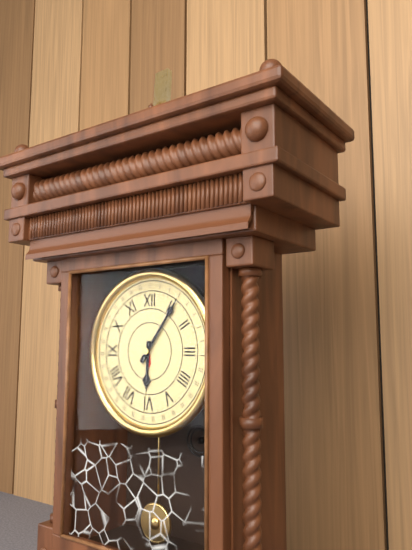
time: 6:06
